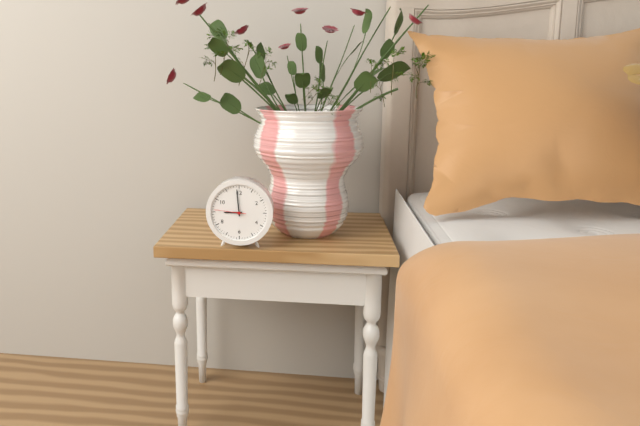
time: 8:59
